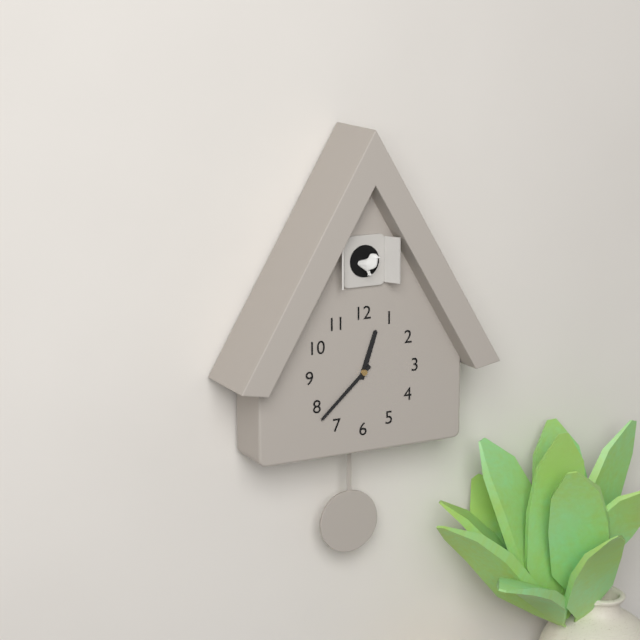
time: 12:38
